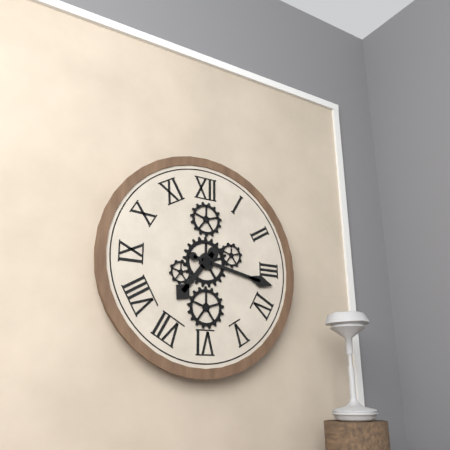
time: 7:17
